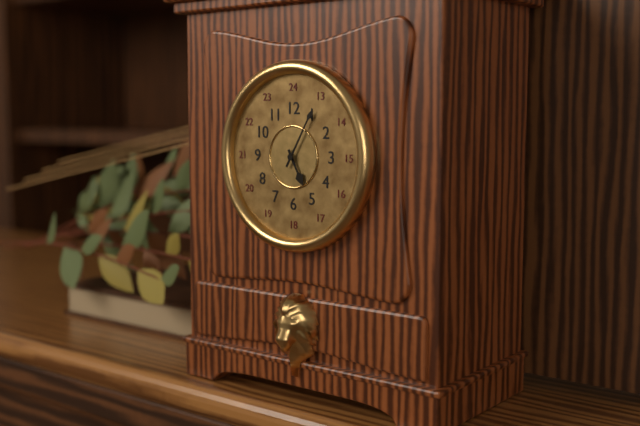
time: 5:05
